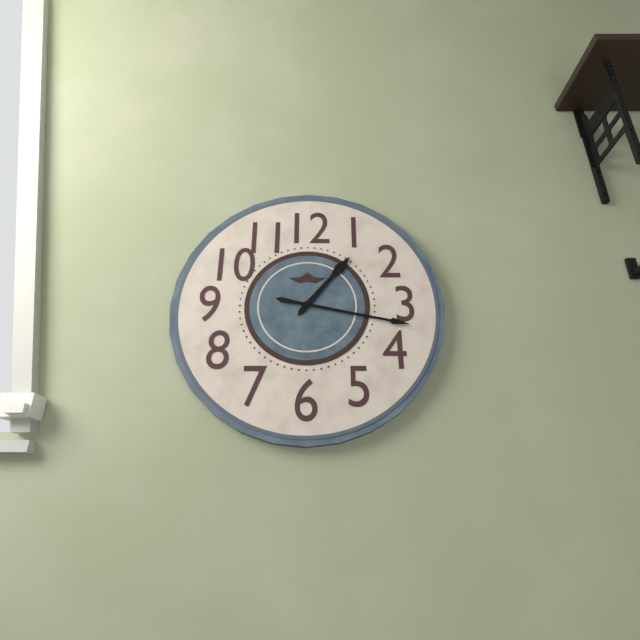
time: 1:17
